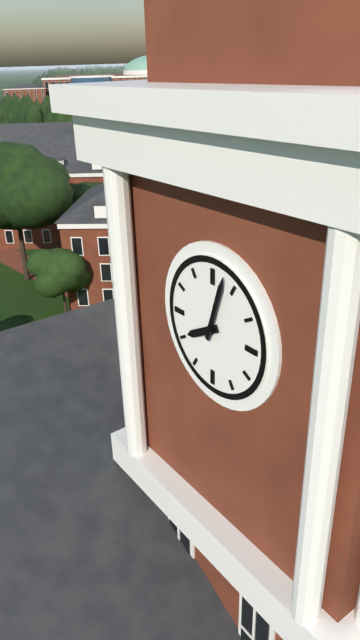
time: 8:03
